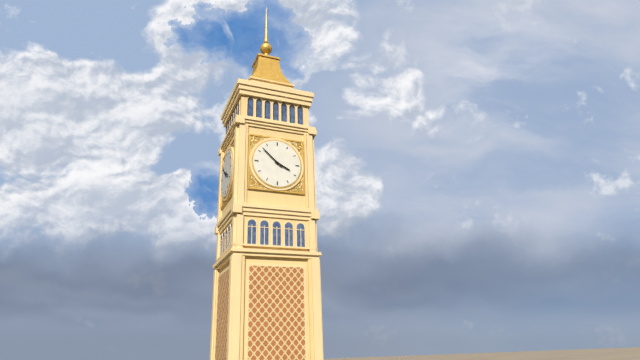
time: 3:52
